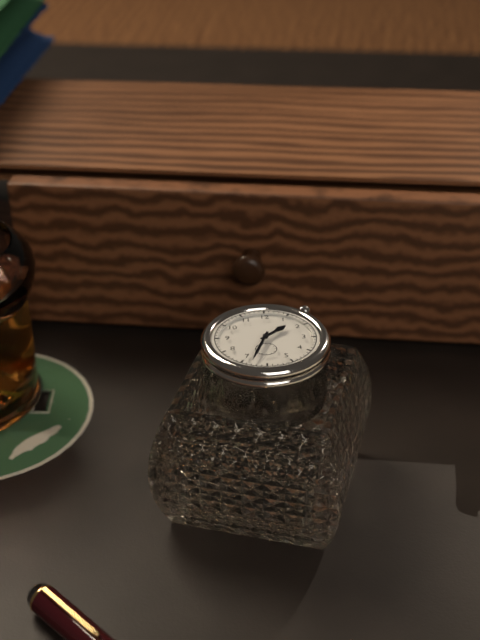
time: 1:33
